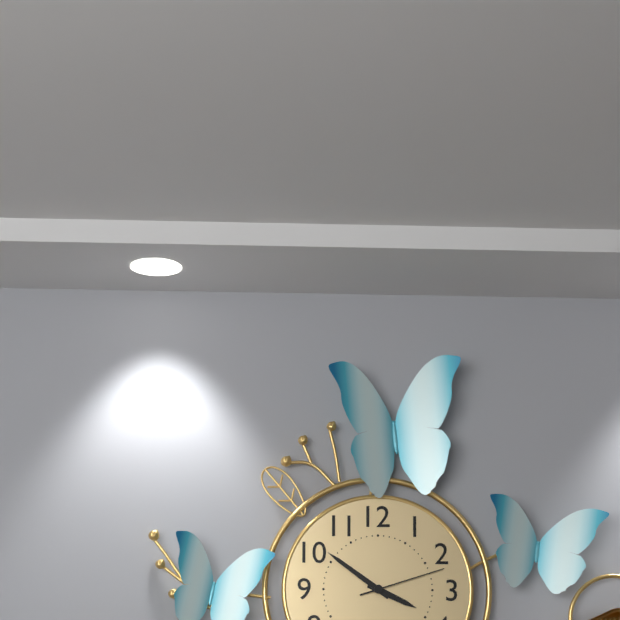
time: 3:51:12
